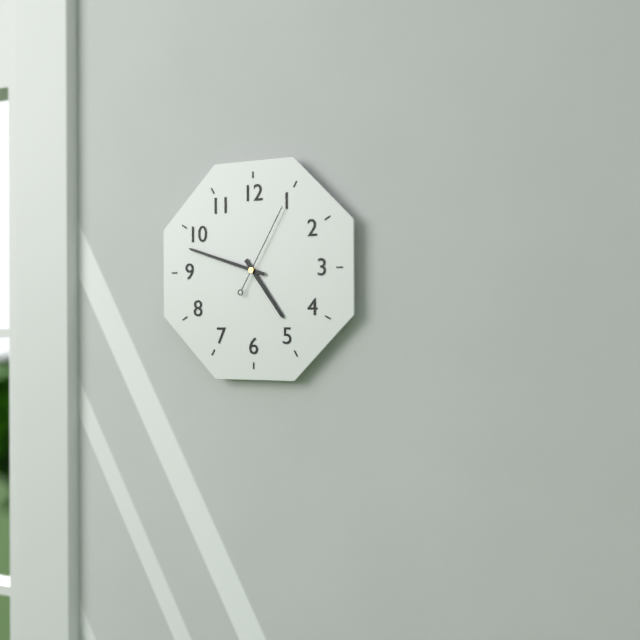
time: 4:48:05
